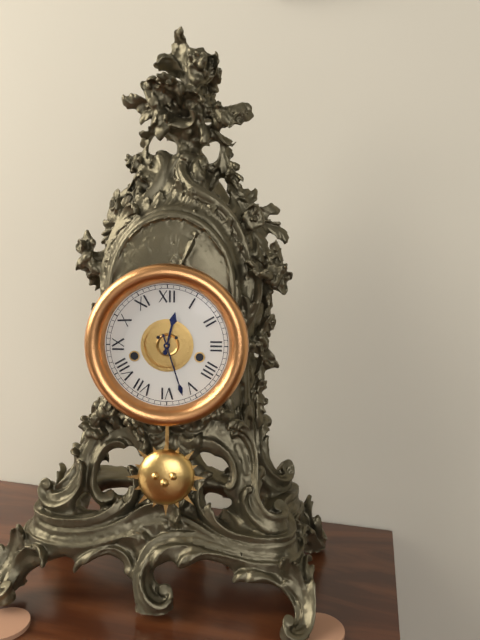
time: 12:27
